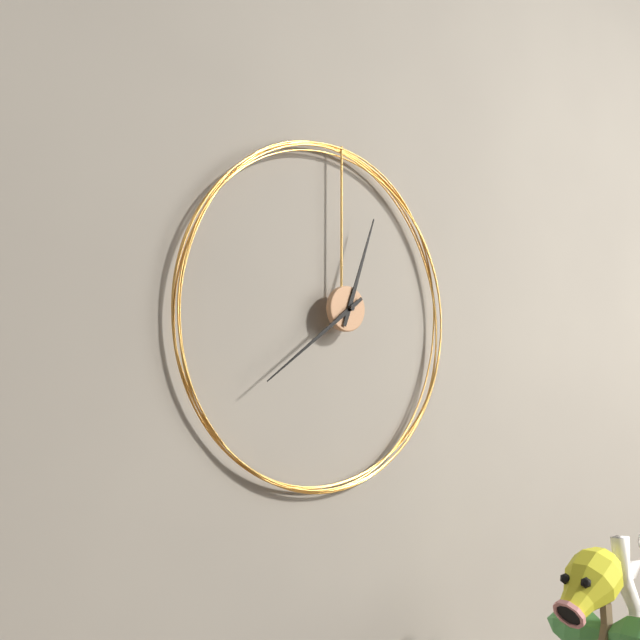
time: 12:39
